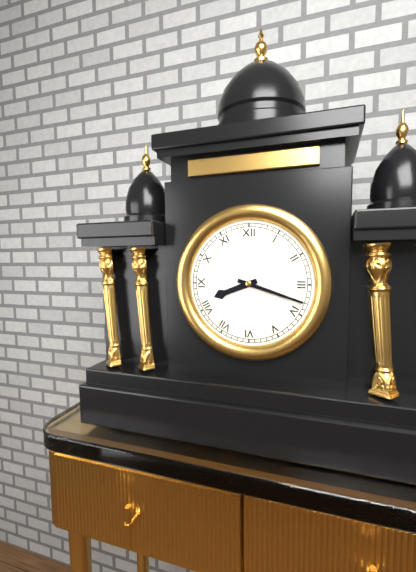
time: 8:18
